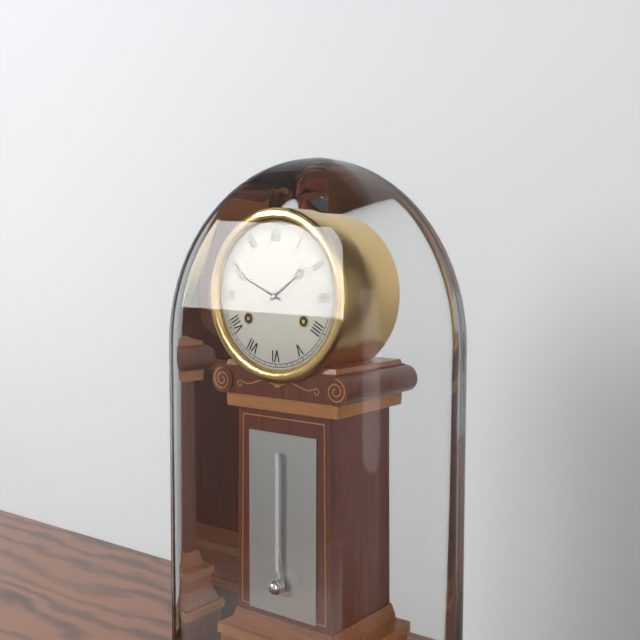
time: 1:49
